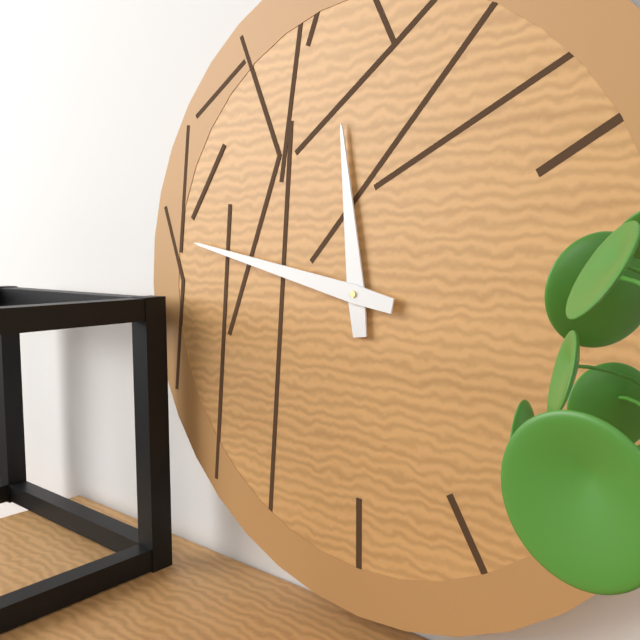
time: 11:47
